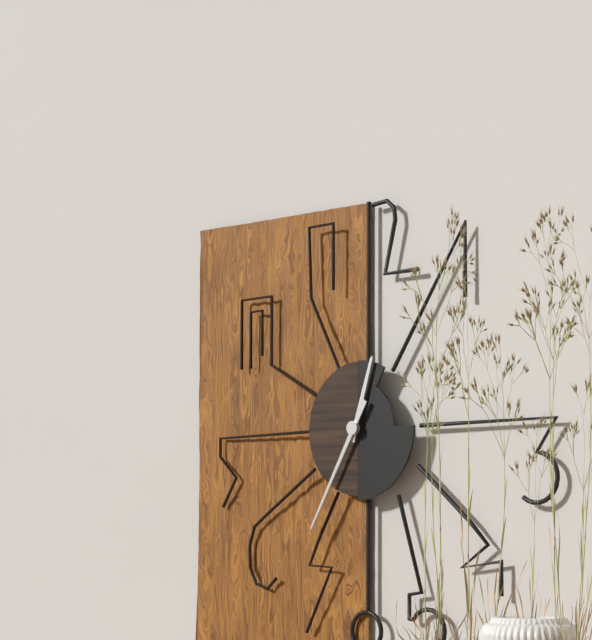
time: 12:35
